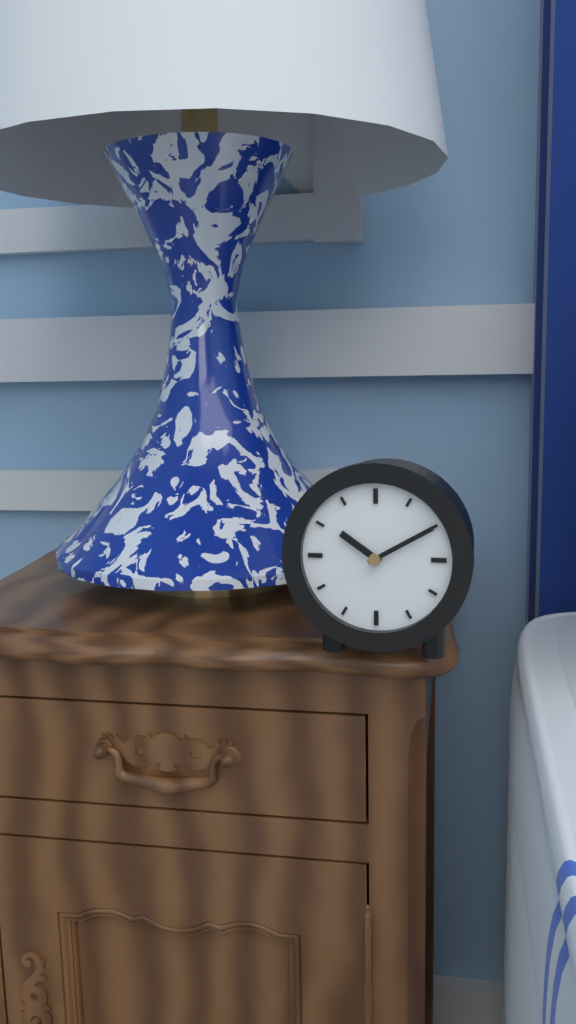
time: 10:10
